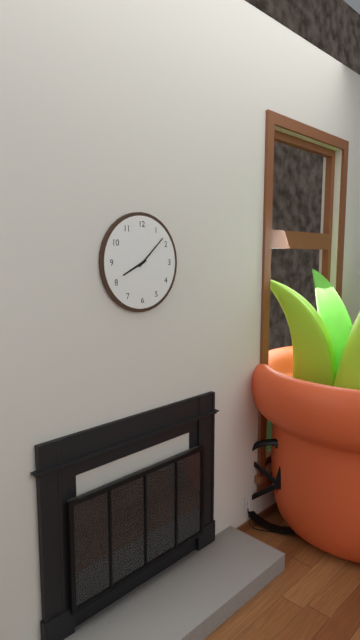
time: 8:08
